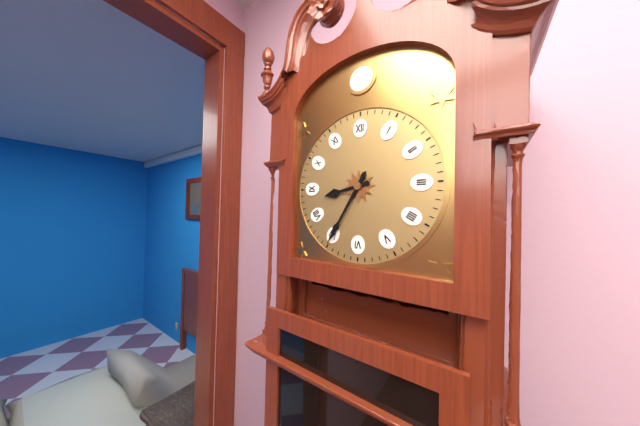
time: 8:35
